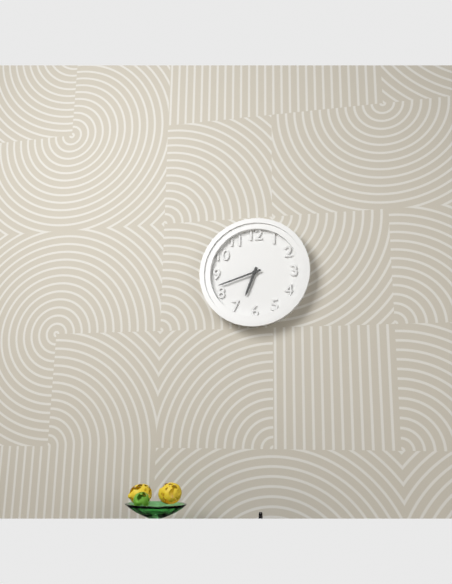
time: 6:42
